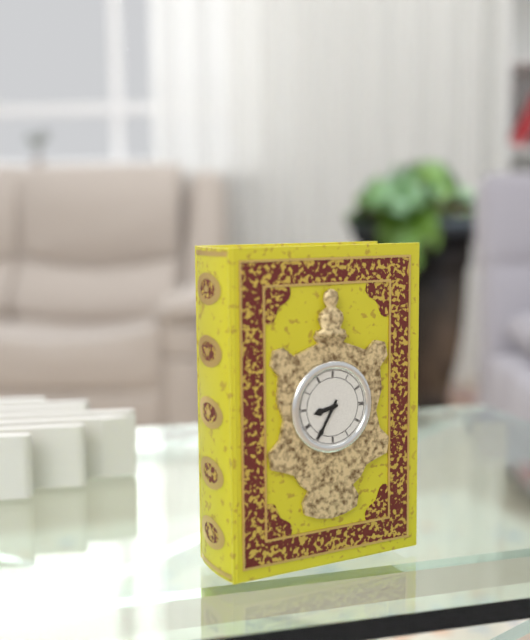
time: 8:35
